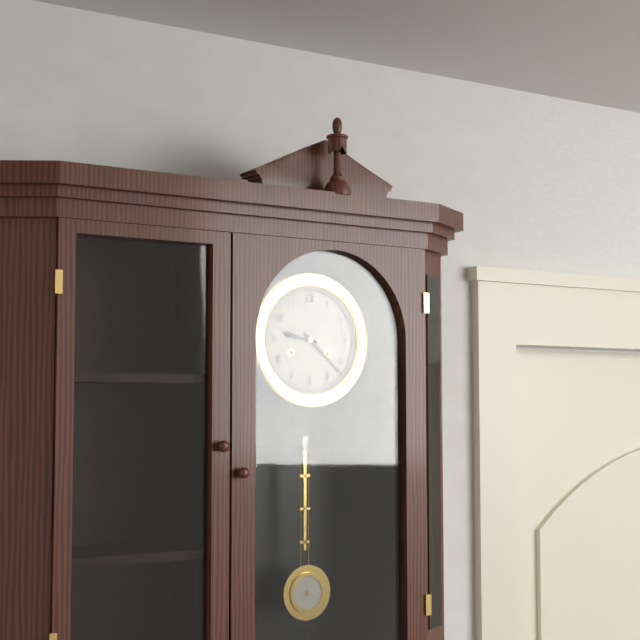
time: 9:22
